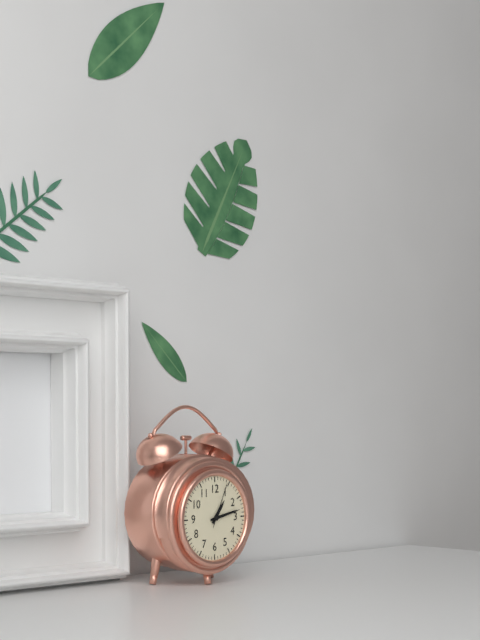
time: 1:13
